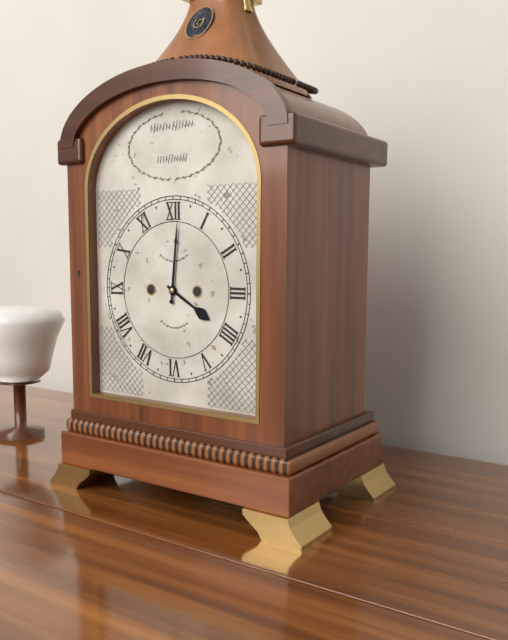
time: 4:01
